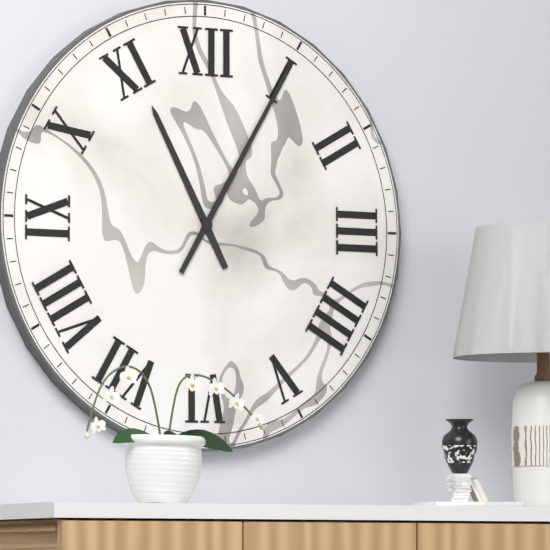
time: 11:05
